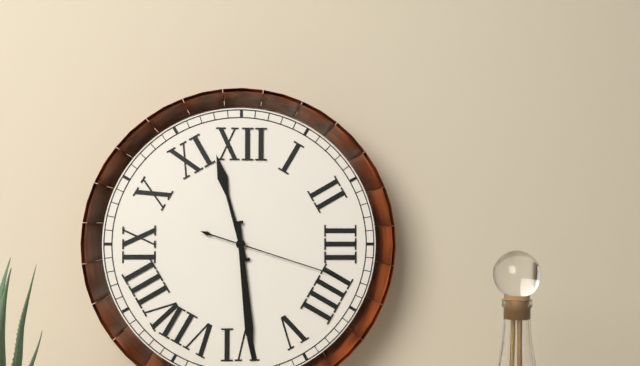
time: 11:29:18
